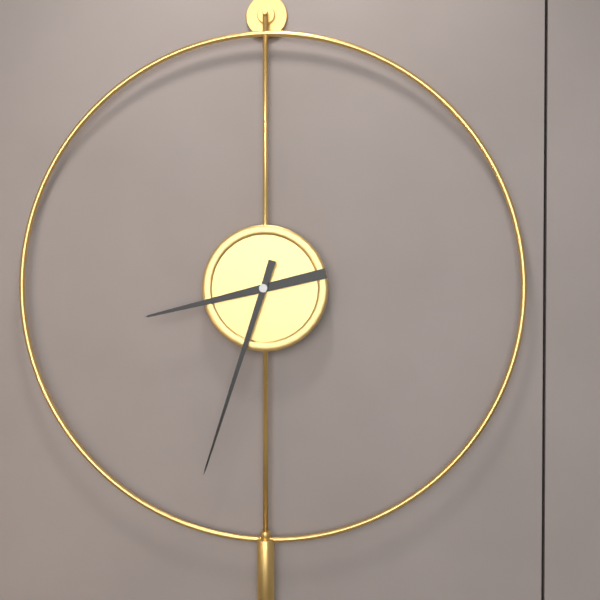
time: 8:33
